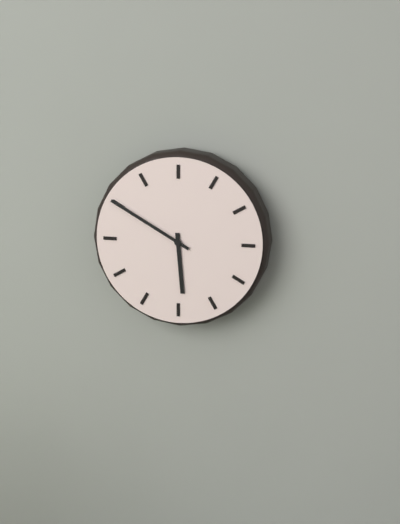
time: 5:50
